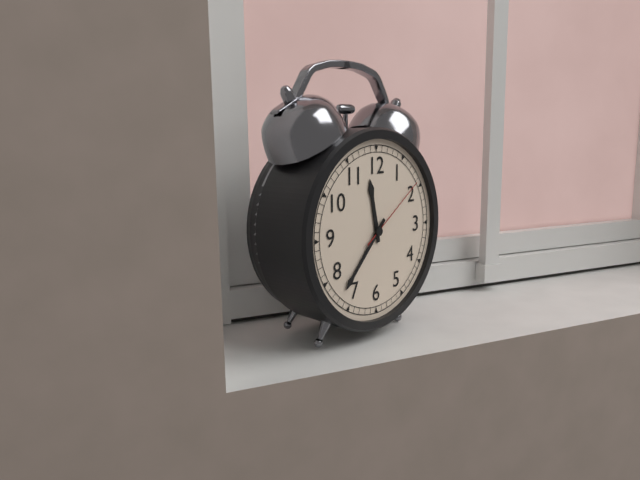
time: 11:37:09
